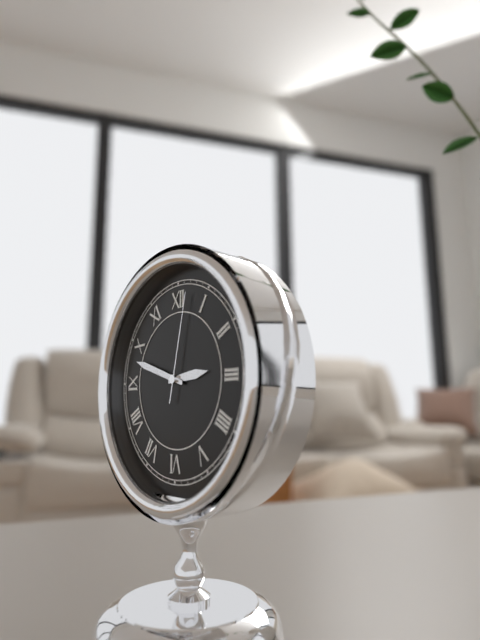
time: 2:48:02
